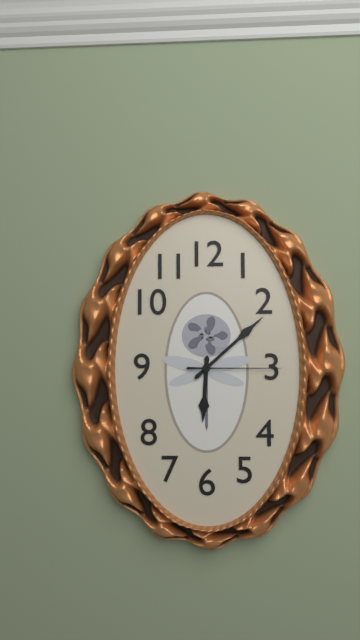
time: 6:08:15
